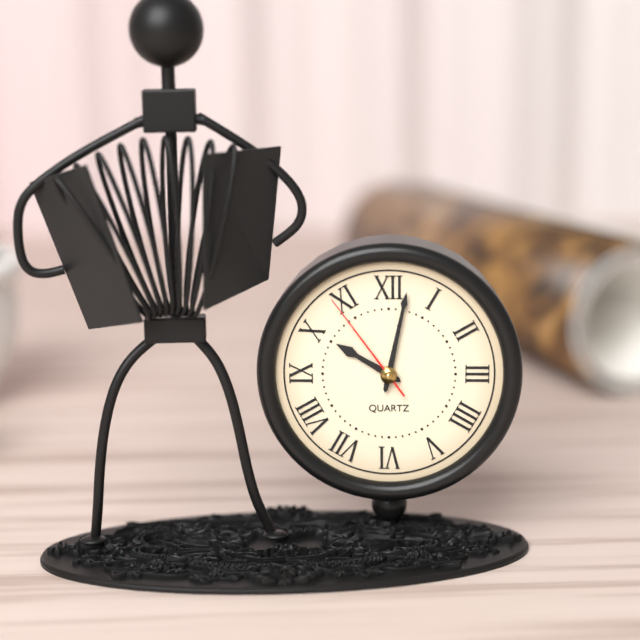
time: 10:02:54
